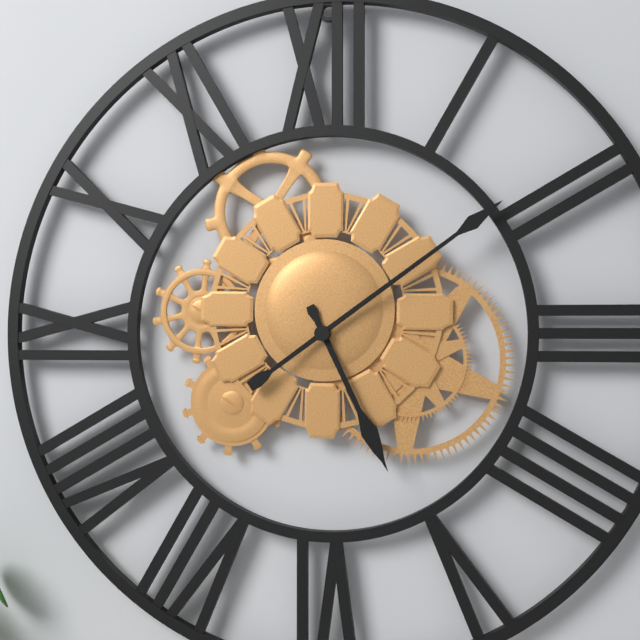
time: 5:09
